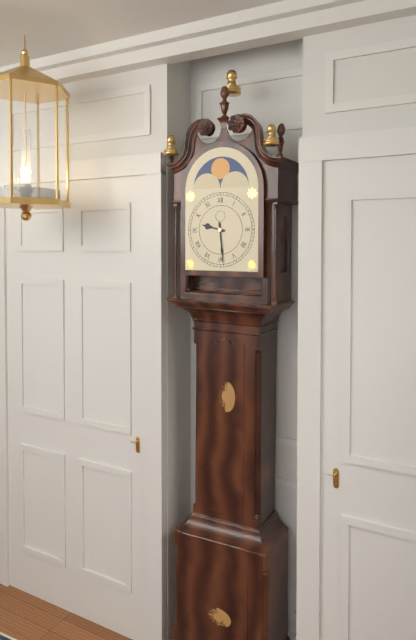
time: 9:29
